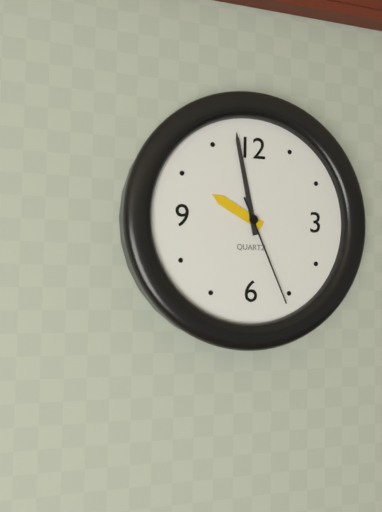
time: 9:58:26
